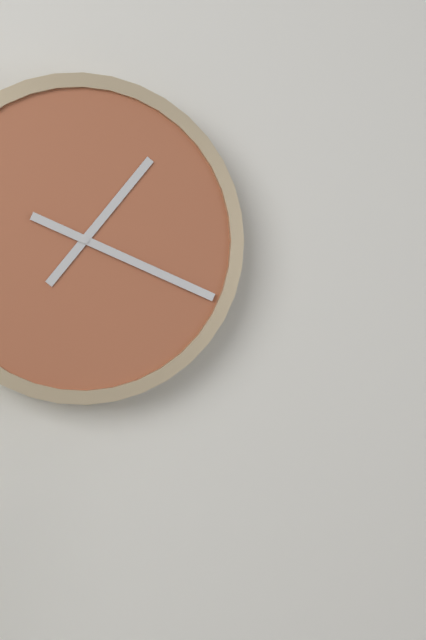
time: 1:19
